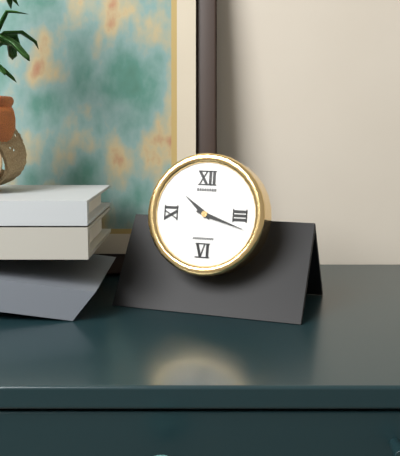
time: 10:18
